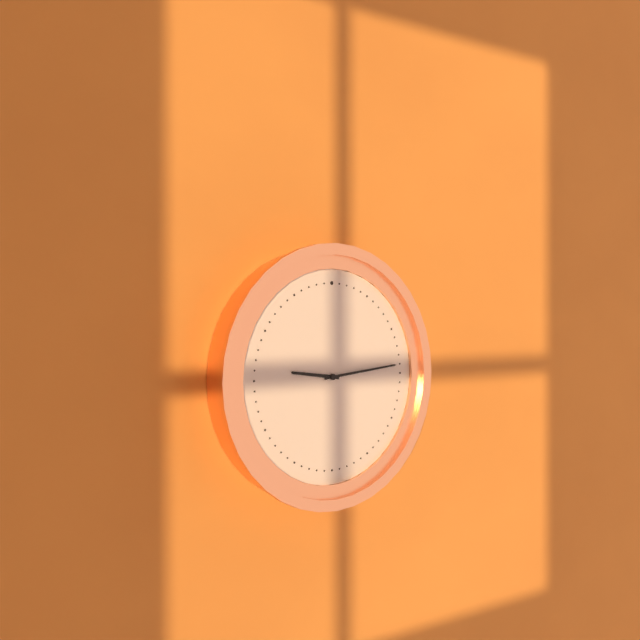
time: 9:14
